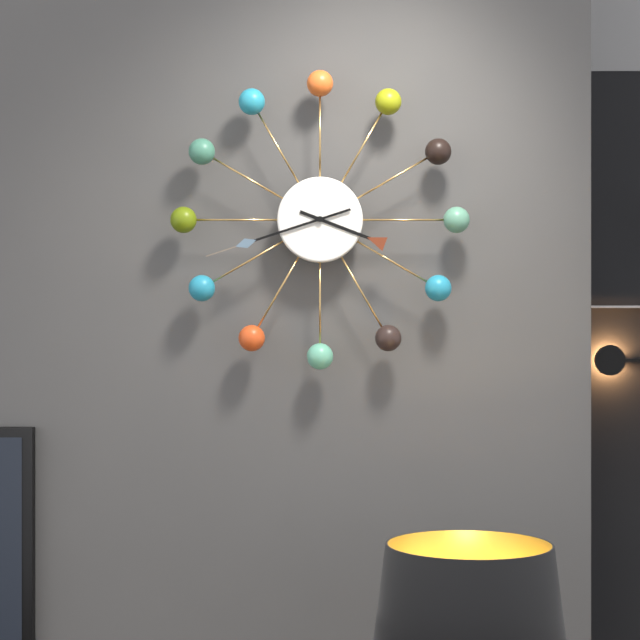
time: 3:42
